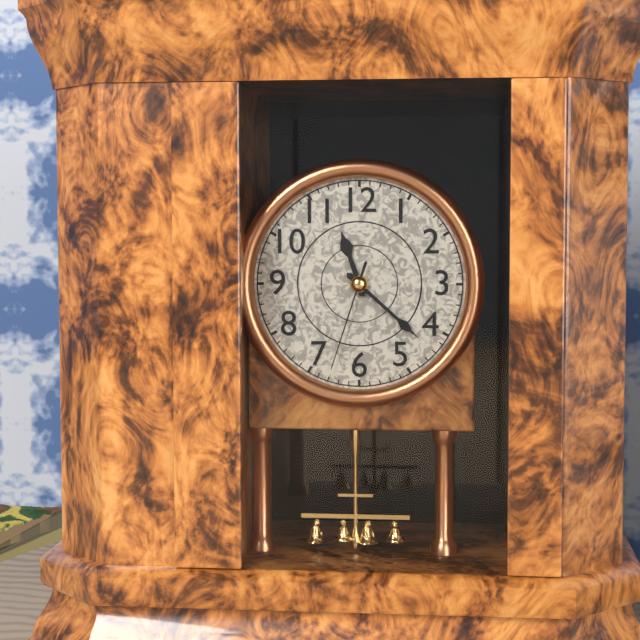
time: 11:22:33
